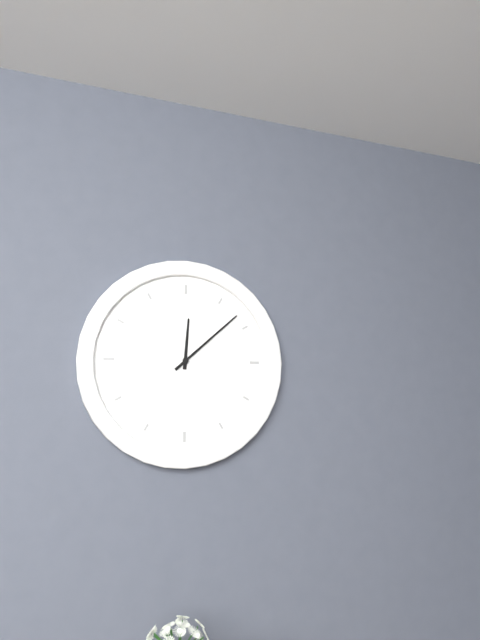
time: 12:08
